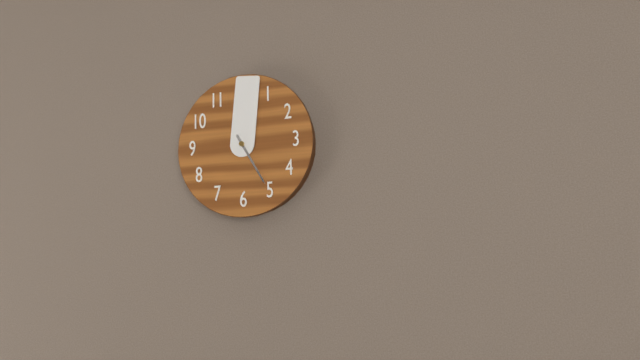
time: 5:01
